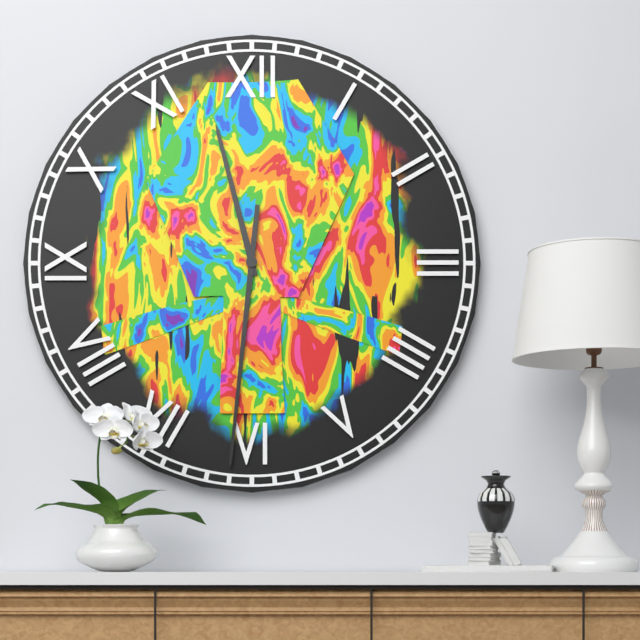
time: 11:31
